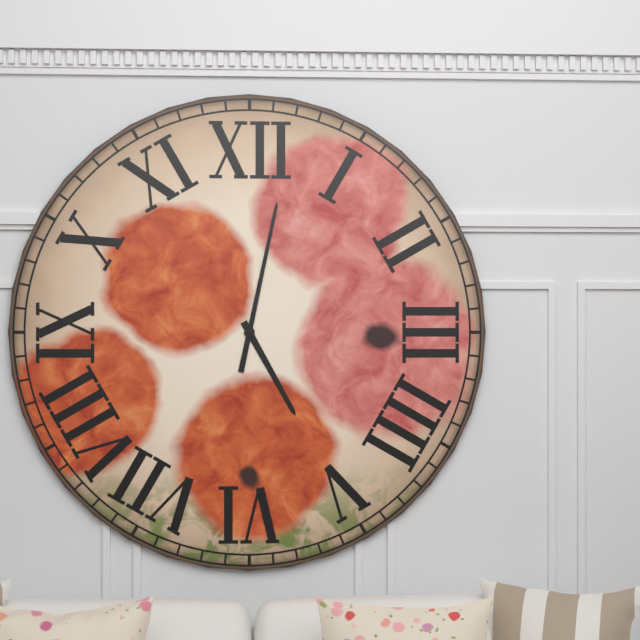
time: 5:02
